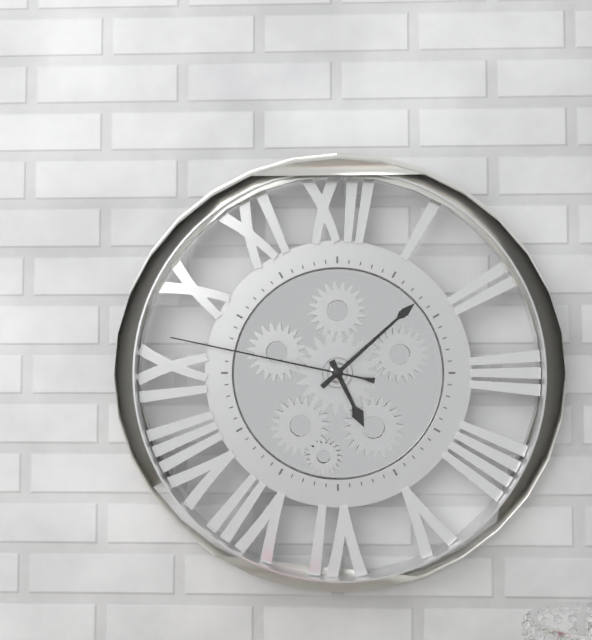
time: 5:08:47
